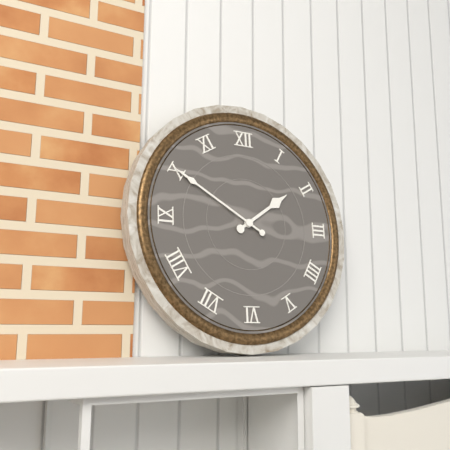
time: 1:50
